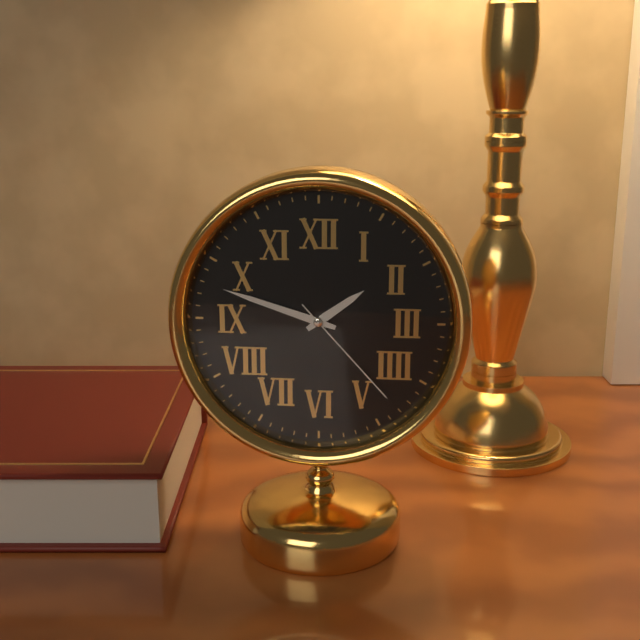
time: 1:48:23
